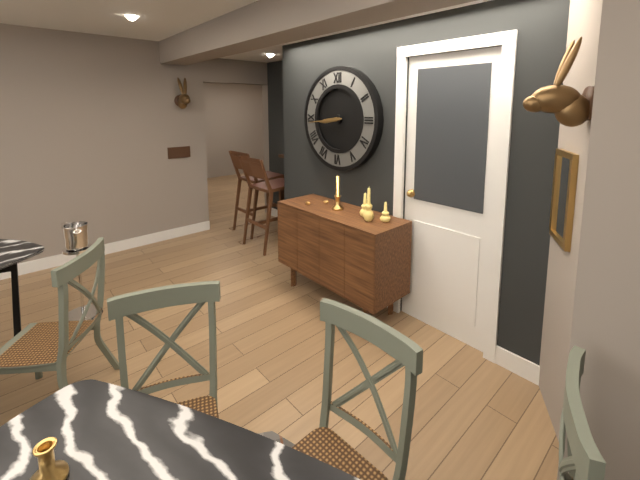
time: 8:44
